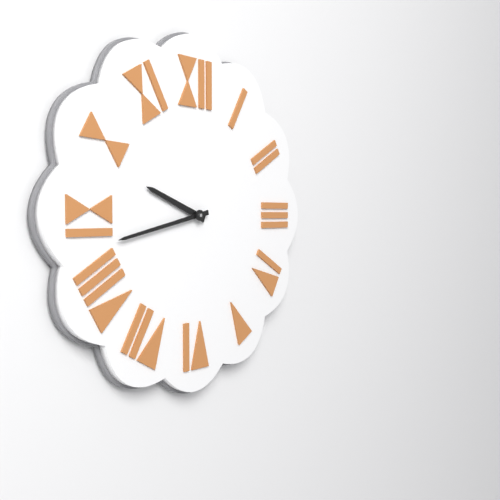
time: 9:43
